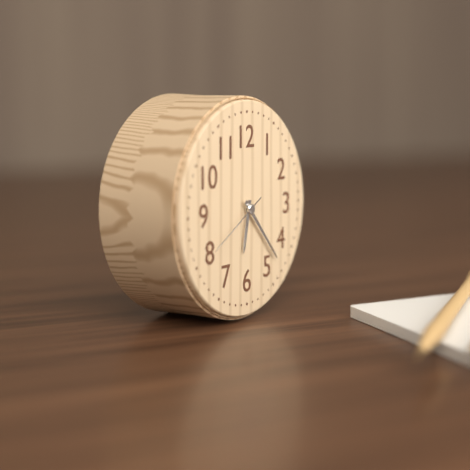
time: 6:23:40
